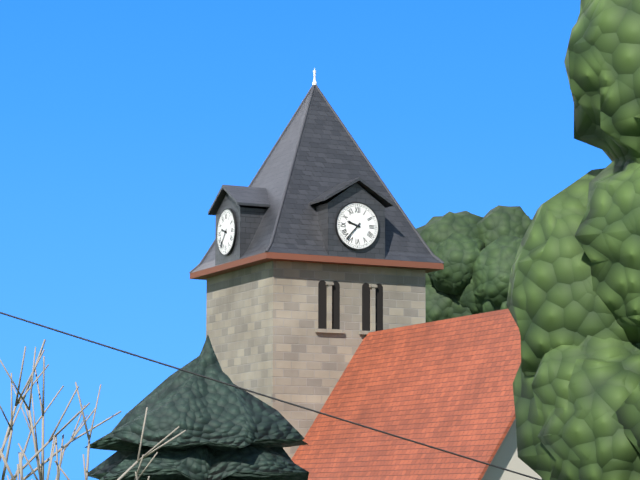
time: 9:37
